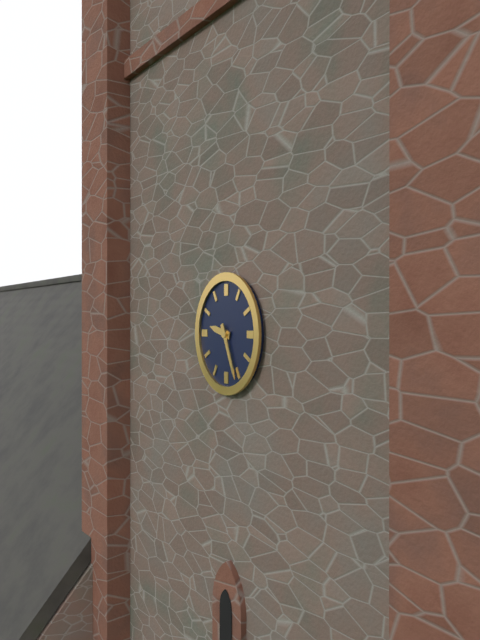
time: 9:26
